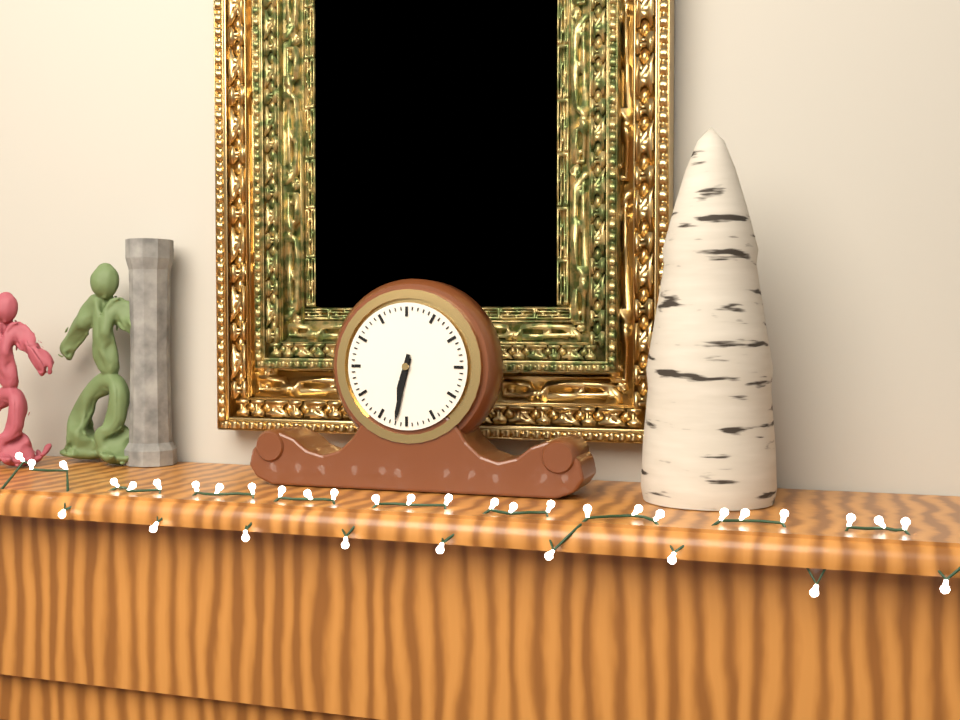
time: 6:32
